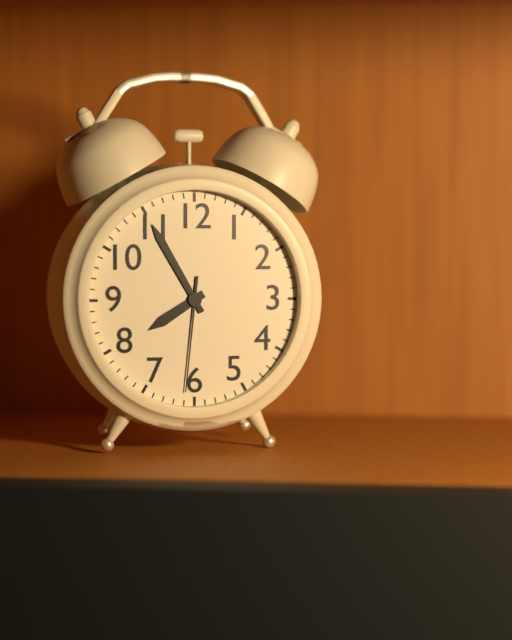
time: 7:55:31
